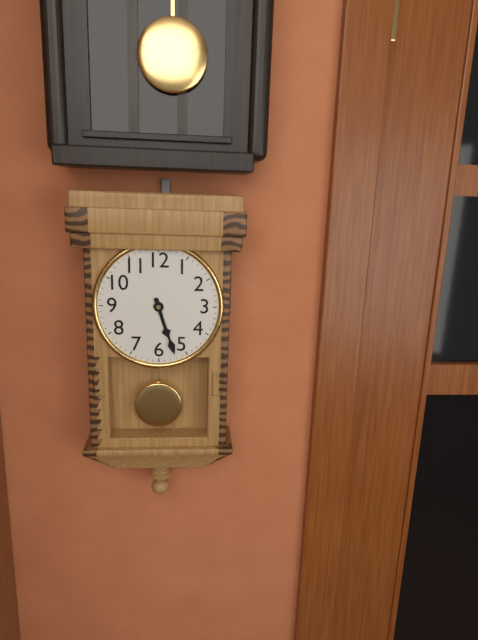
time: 5:27
